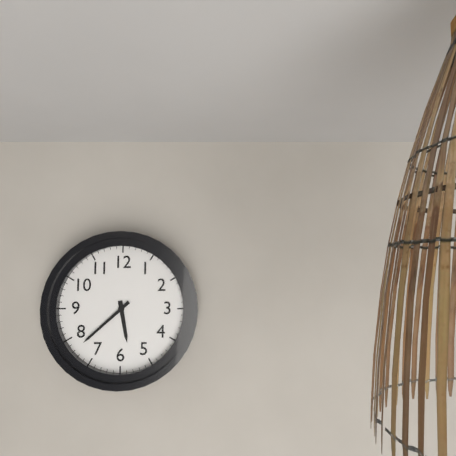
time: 5:38
